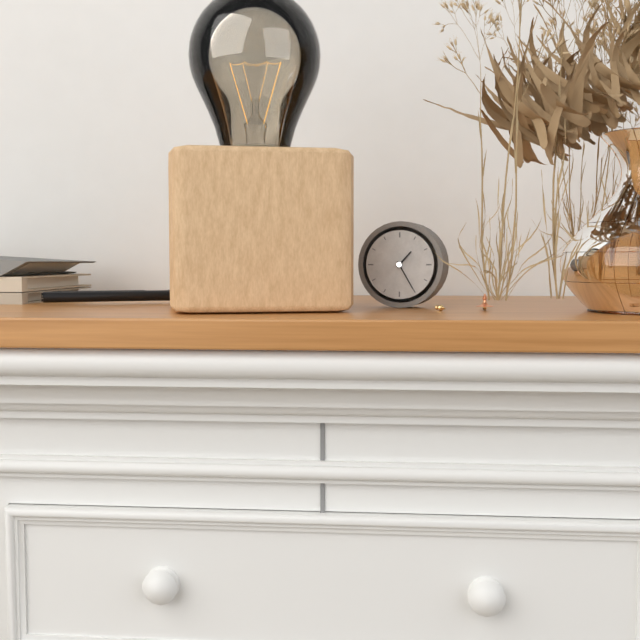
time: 1:25
